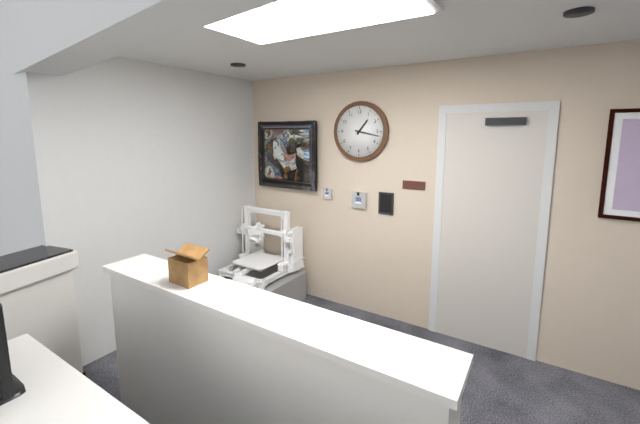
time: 1:17
